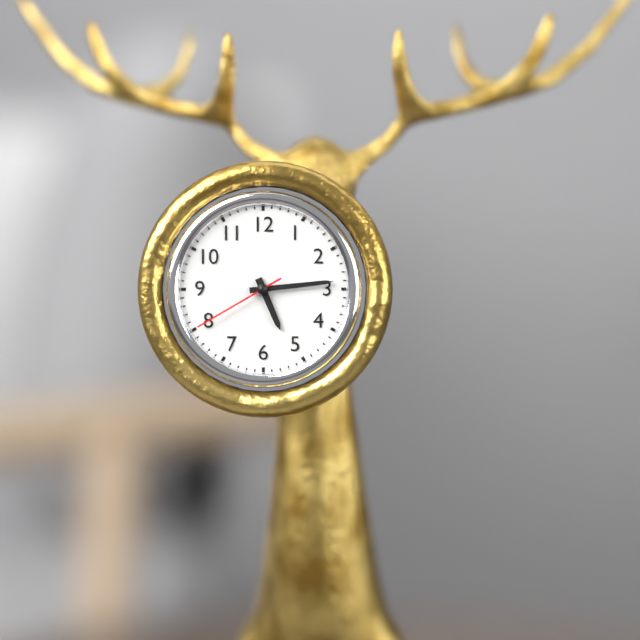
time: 5:14:40
